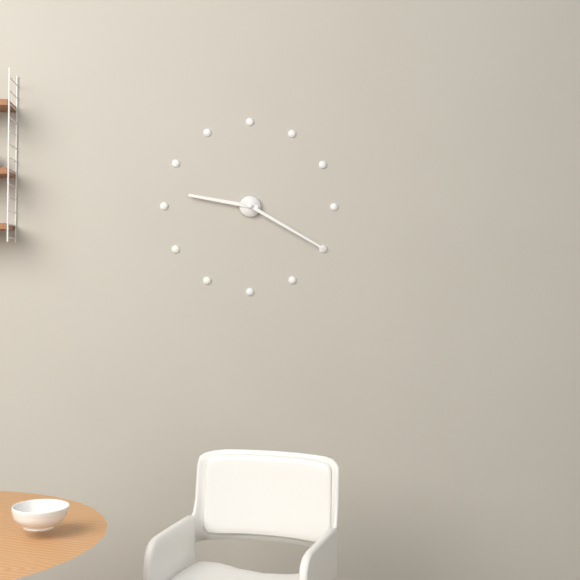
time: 9:20
